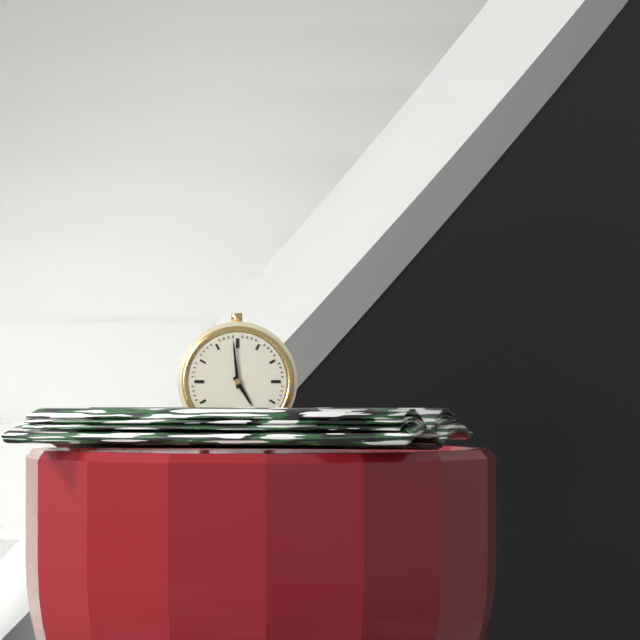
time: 4:59
